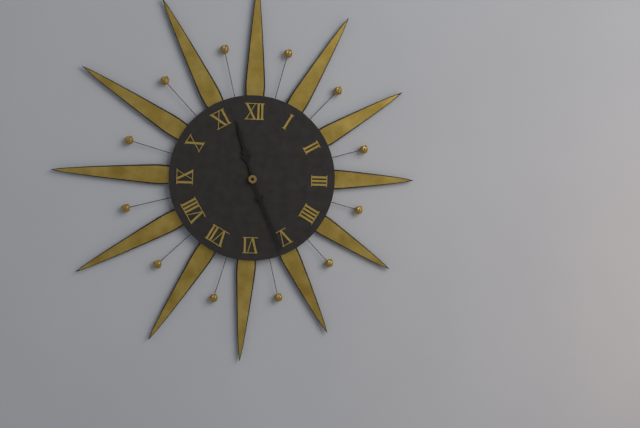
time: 11:26
